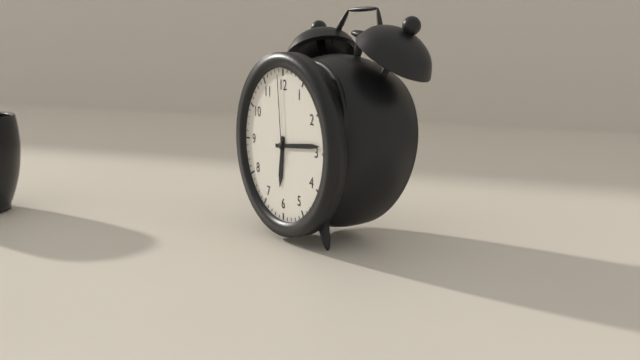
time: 6:14:59
